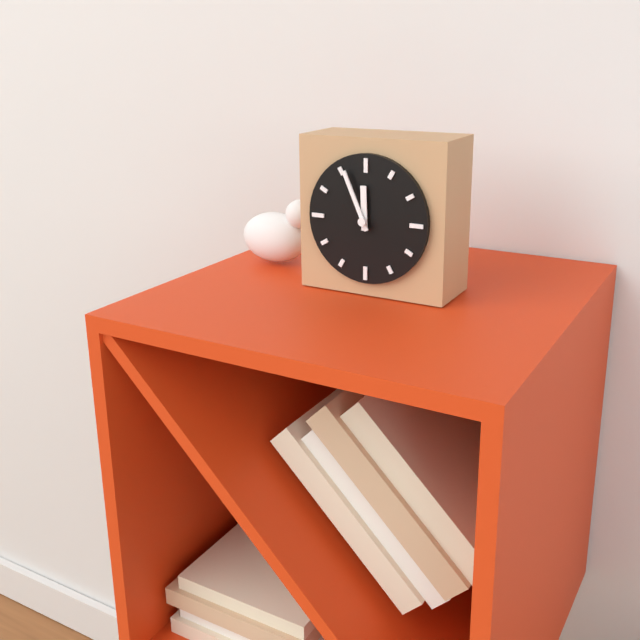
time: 11:56
